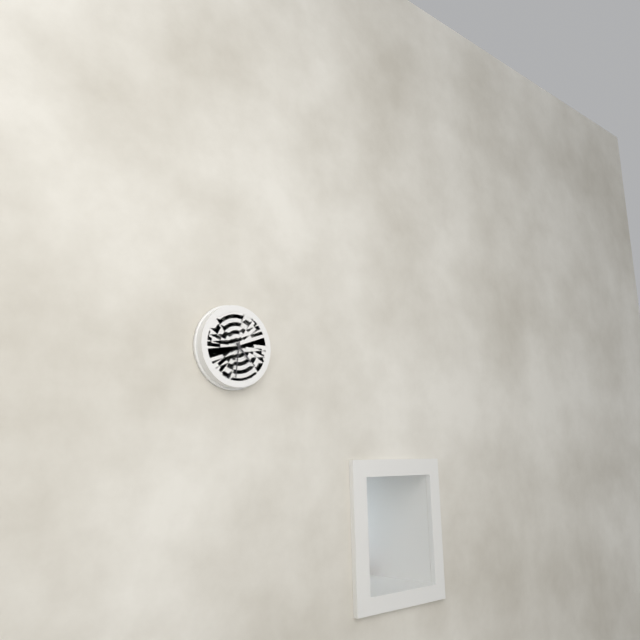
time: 4:31
